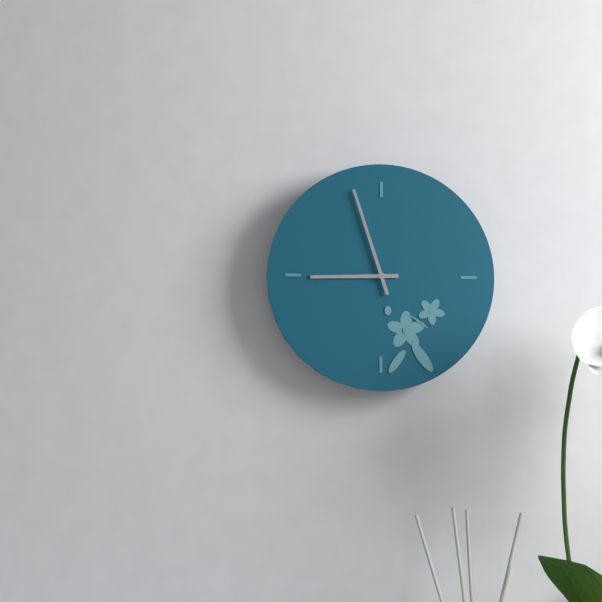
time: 8:57
